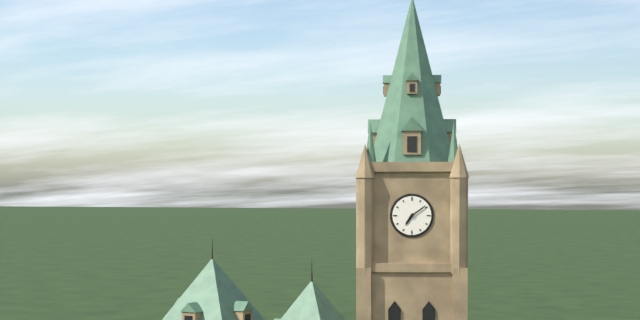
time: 7:09
